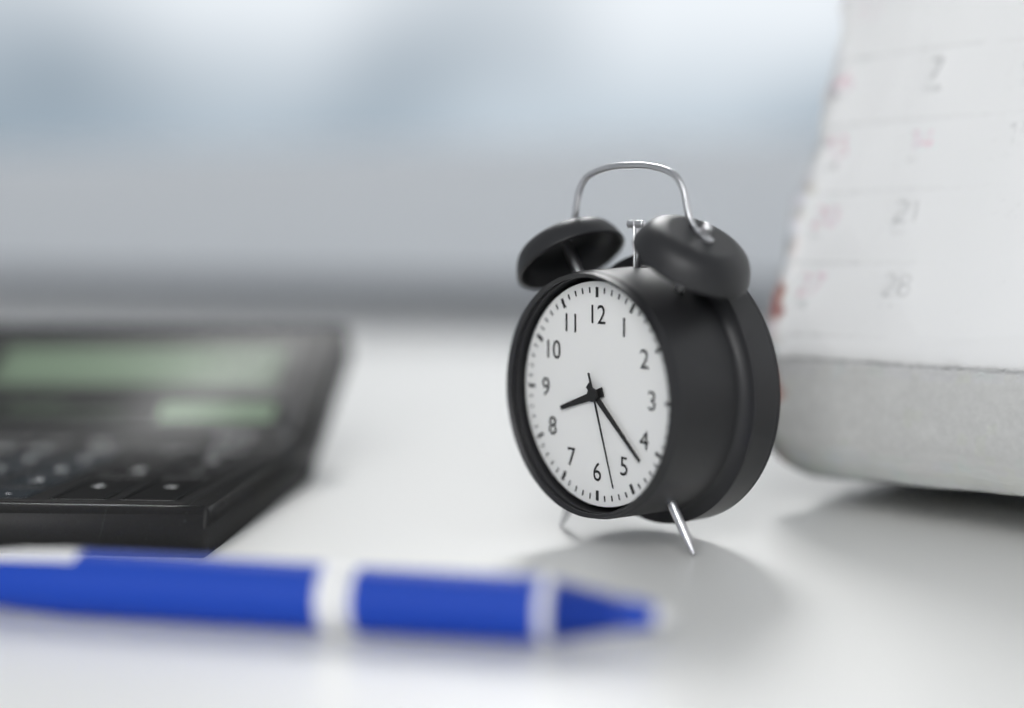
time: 8:22:27
